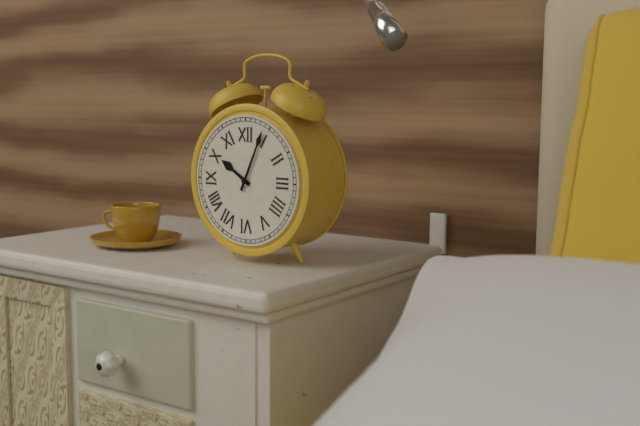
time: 10:04
